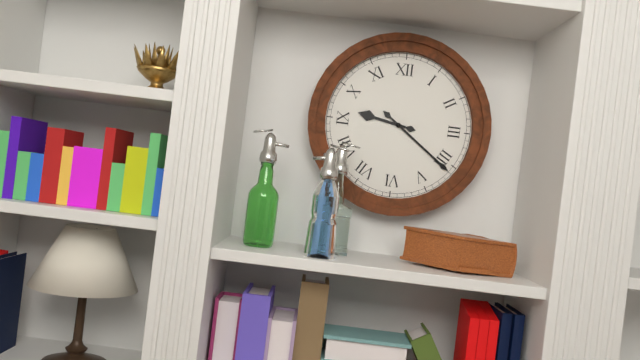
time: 9:21
